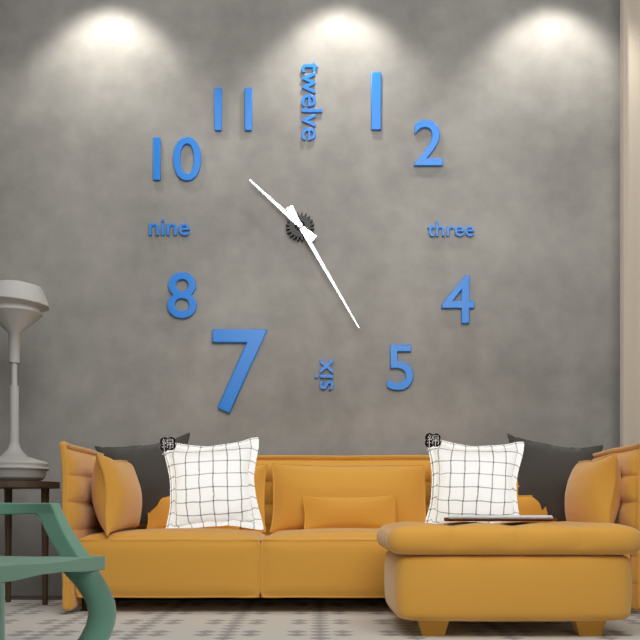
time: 10:25
